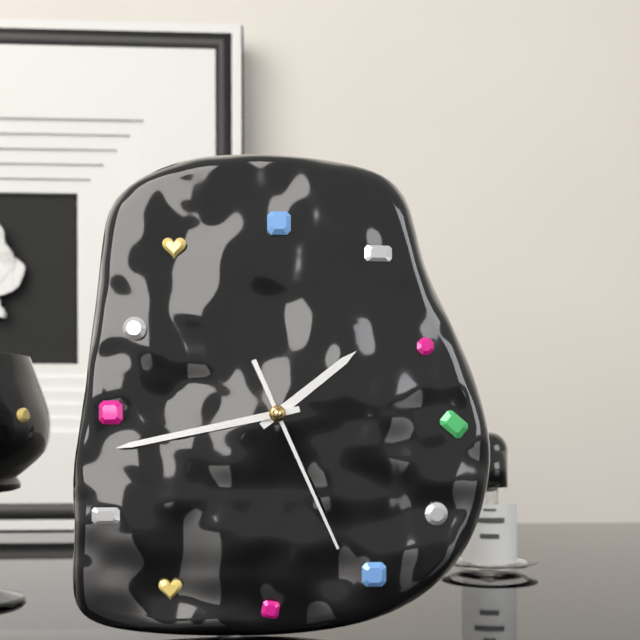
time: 1:43:26
